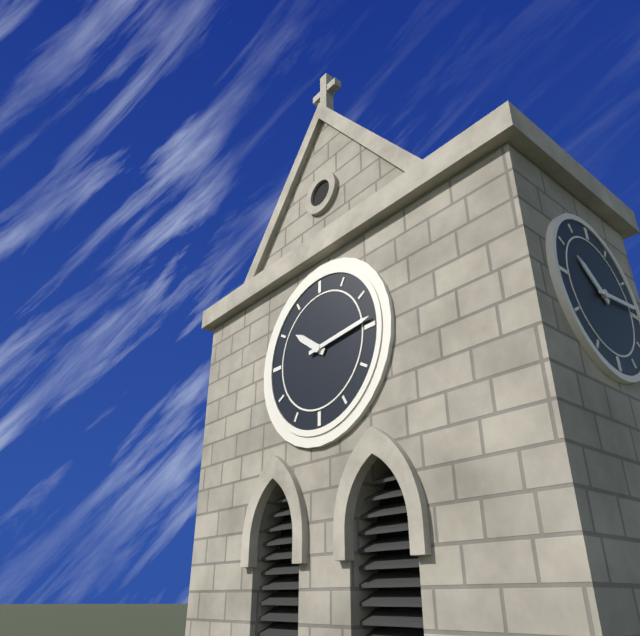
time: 10:14
